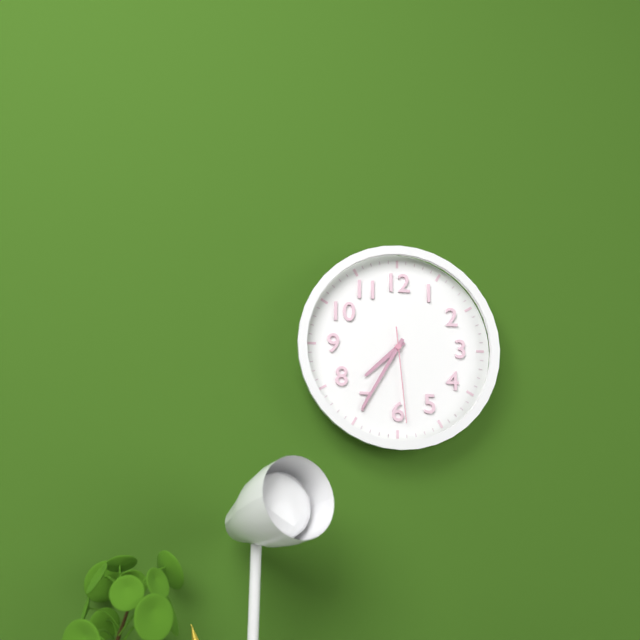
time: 7:35:29
